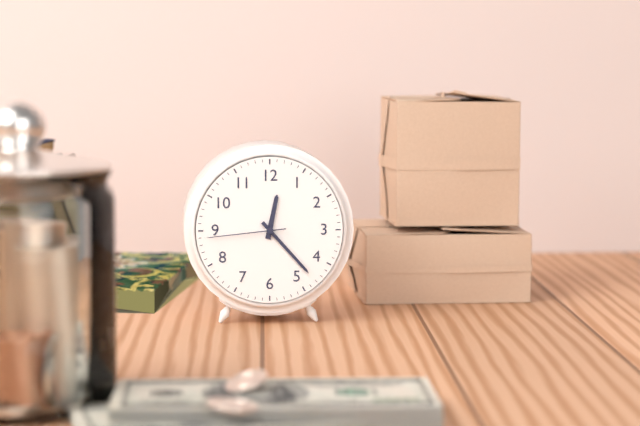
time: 12:23:44
